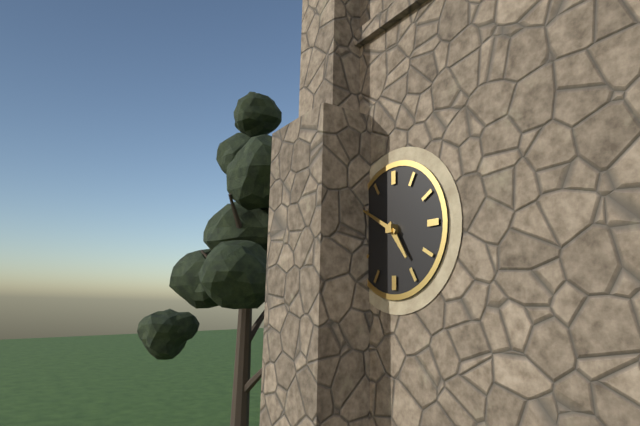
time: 4:50
